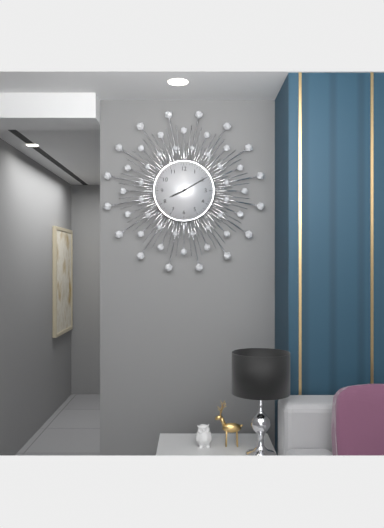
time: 8:10
